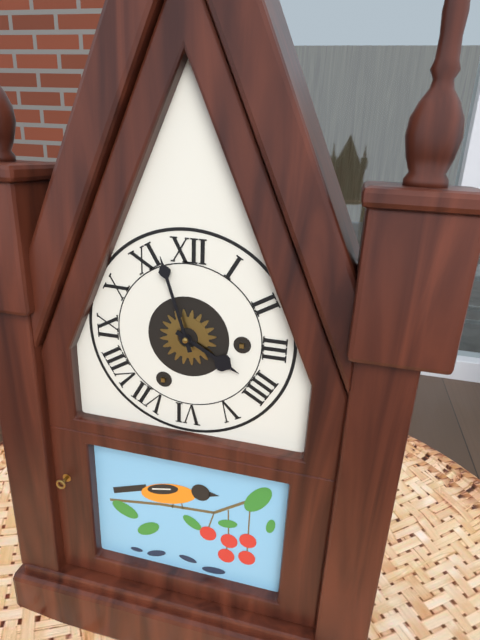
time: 3:57
